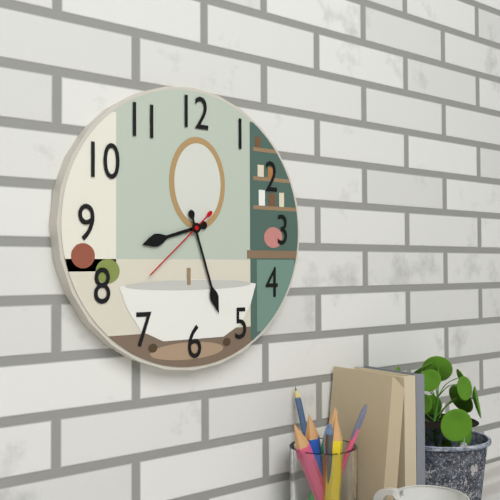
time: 8:27:38
